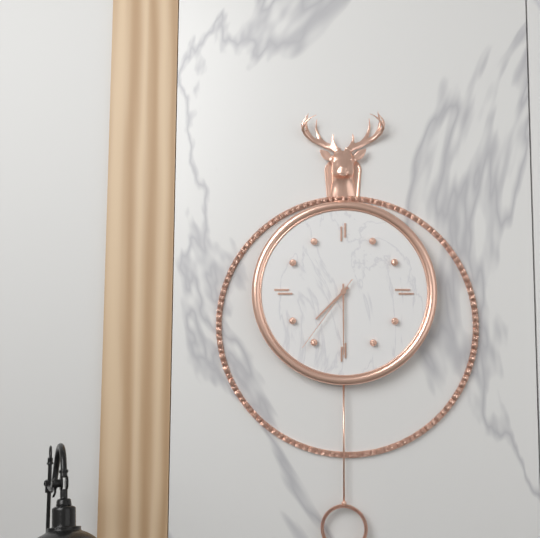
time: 7:30:36
